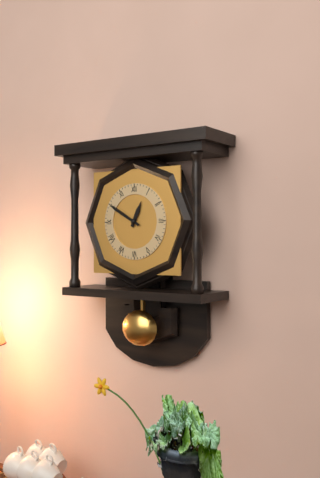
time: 12:50
